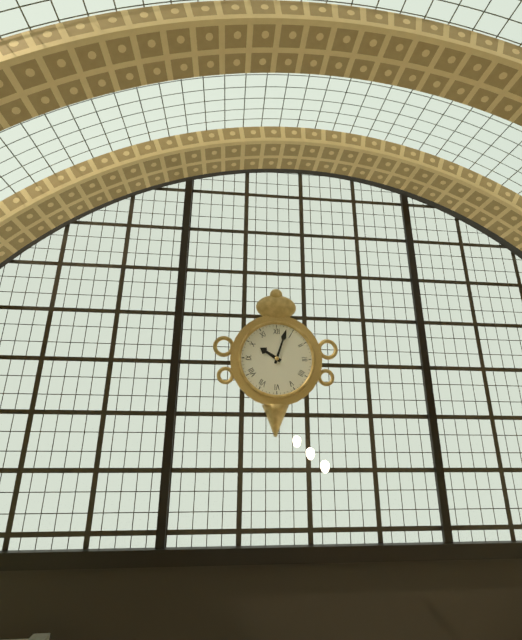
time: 10:03
